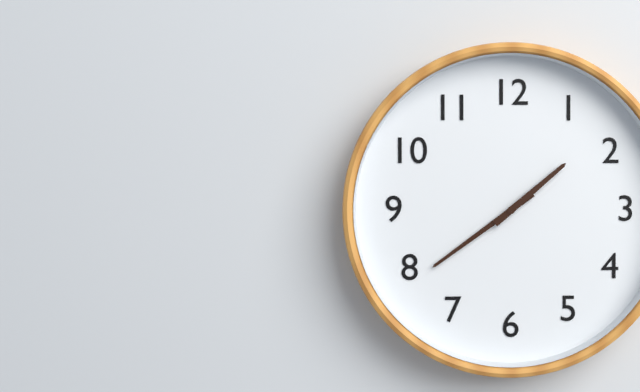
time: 1:39
